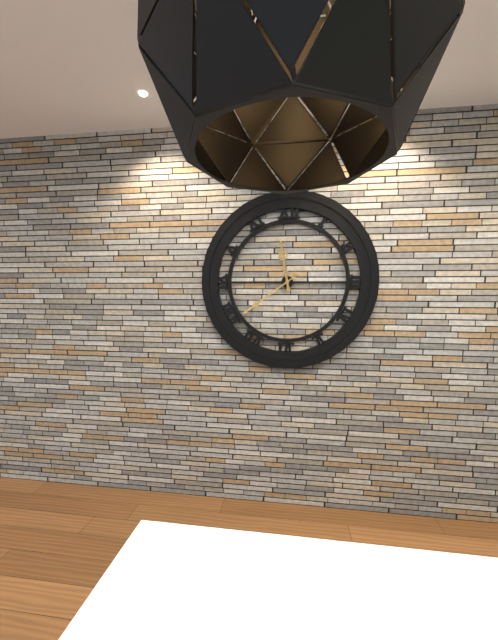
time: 11:39
